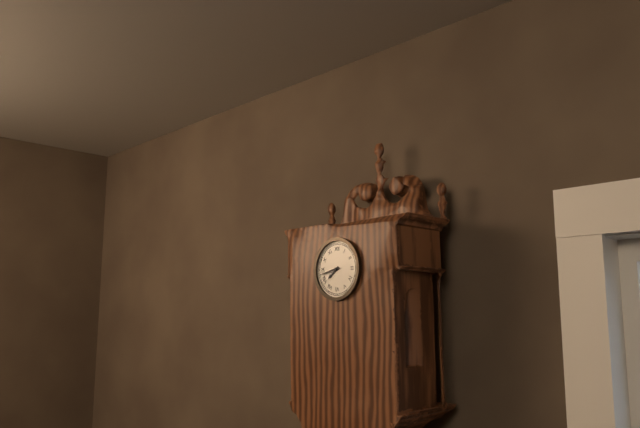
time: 7:43
